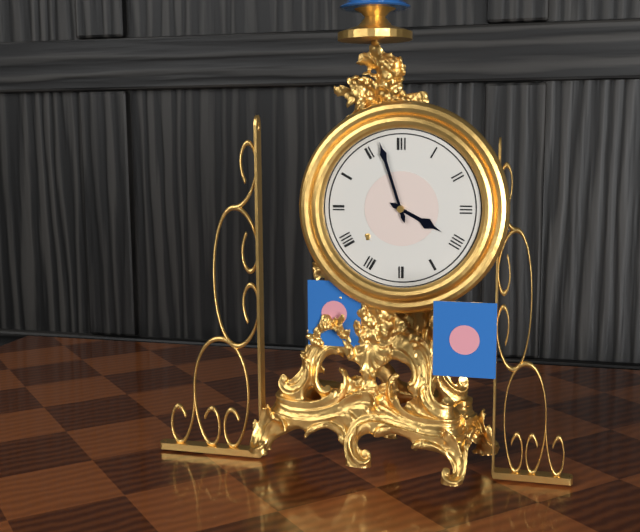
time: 3:57
